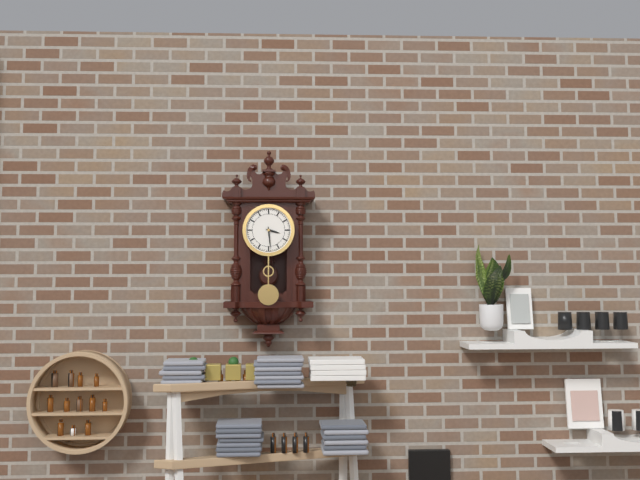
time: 3:29
